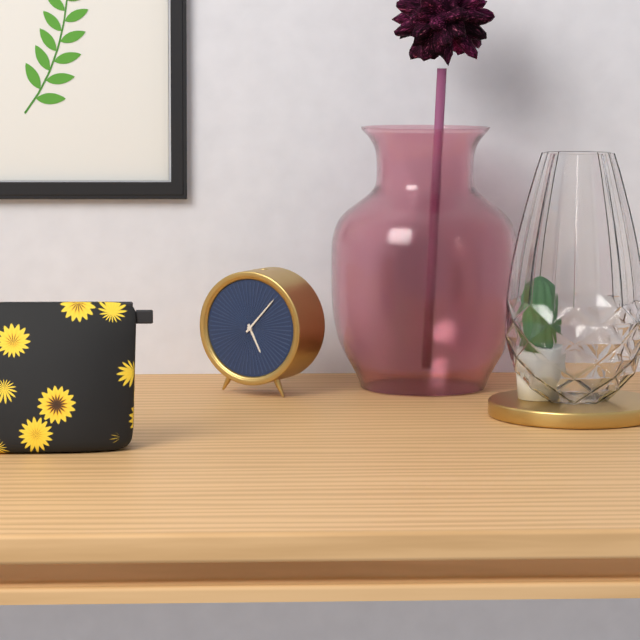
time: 5:07
